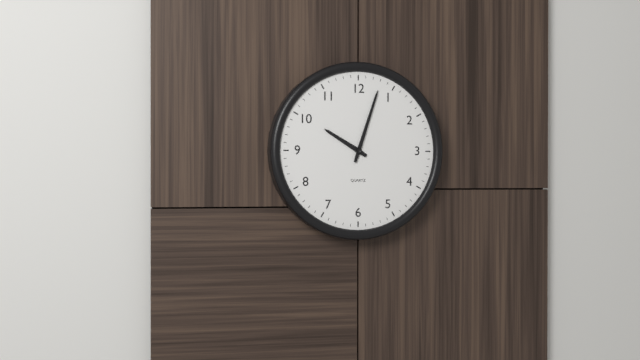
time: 10:03
